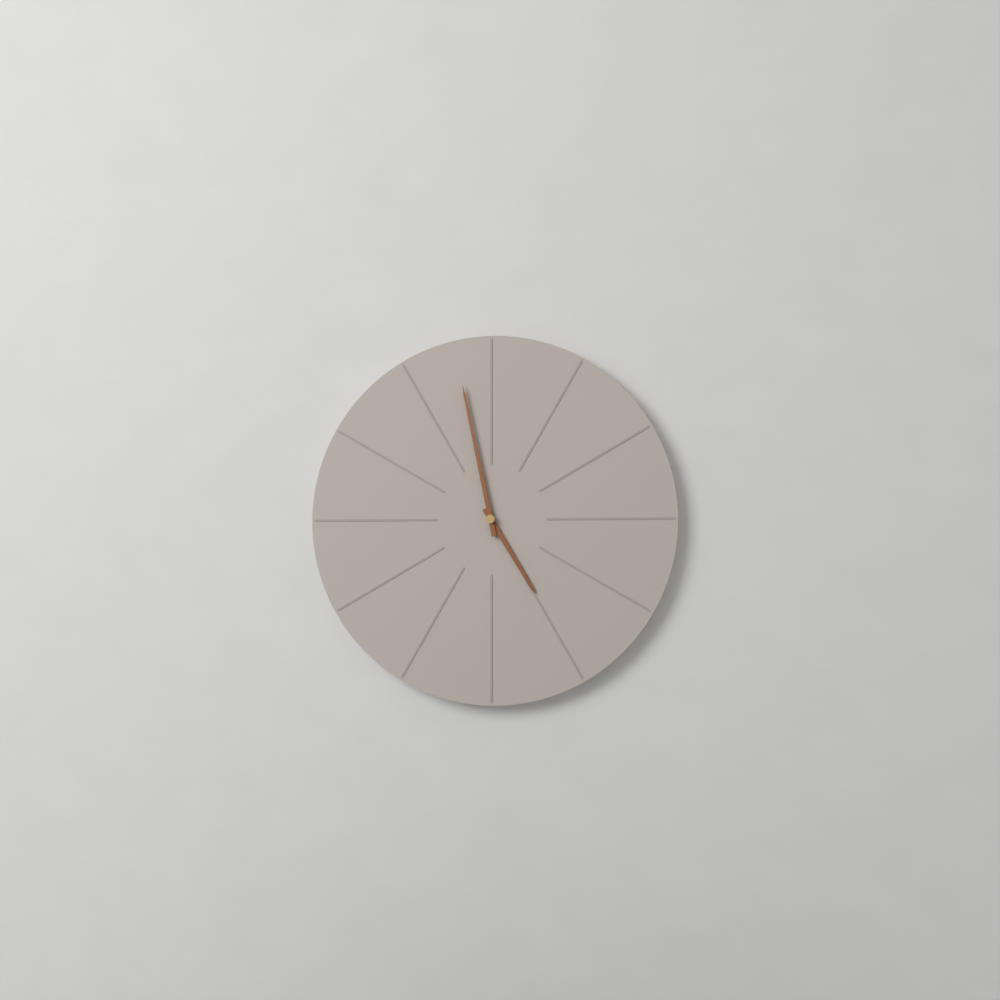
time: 4:58
